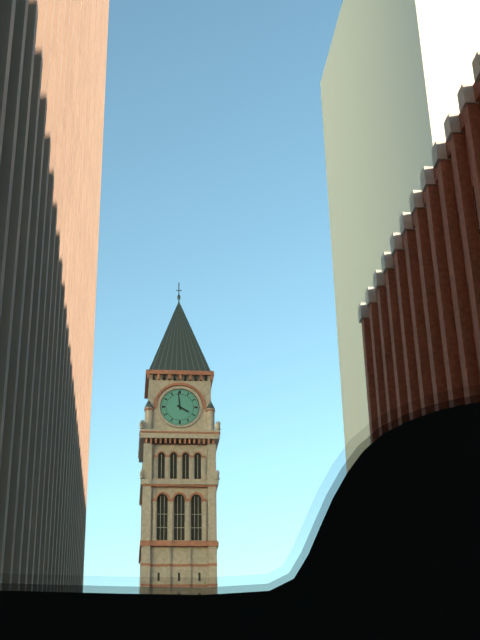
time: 3:59
